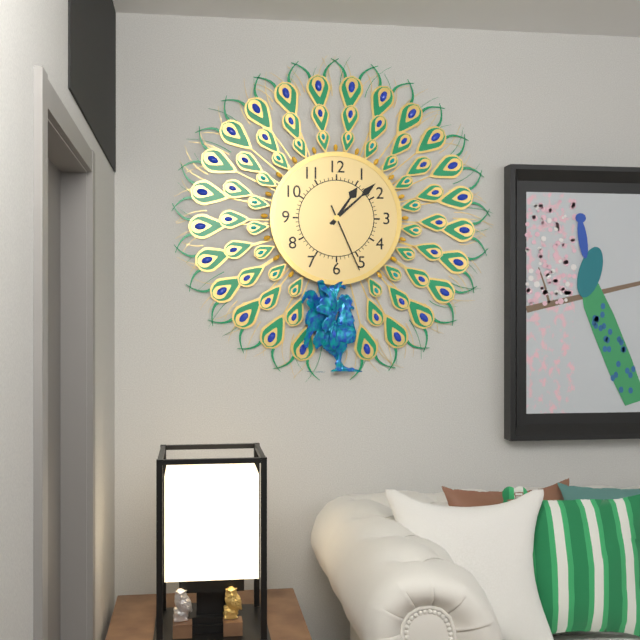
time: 1:08:26
